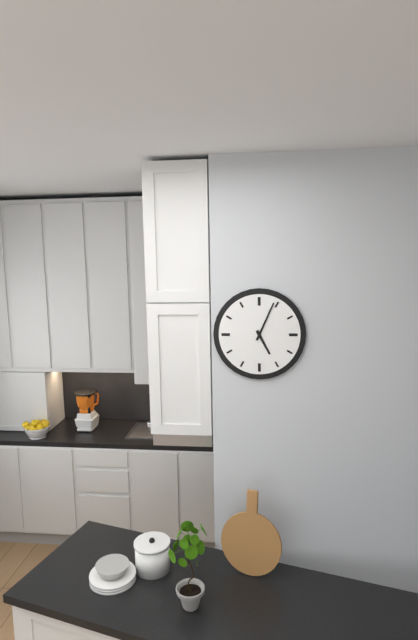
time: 5:04
